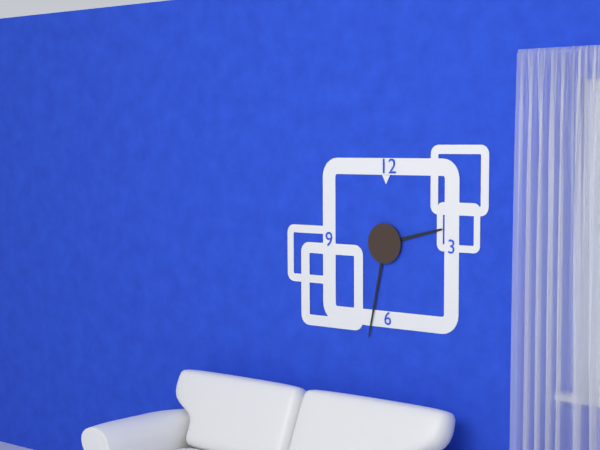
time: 2:32
